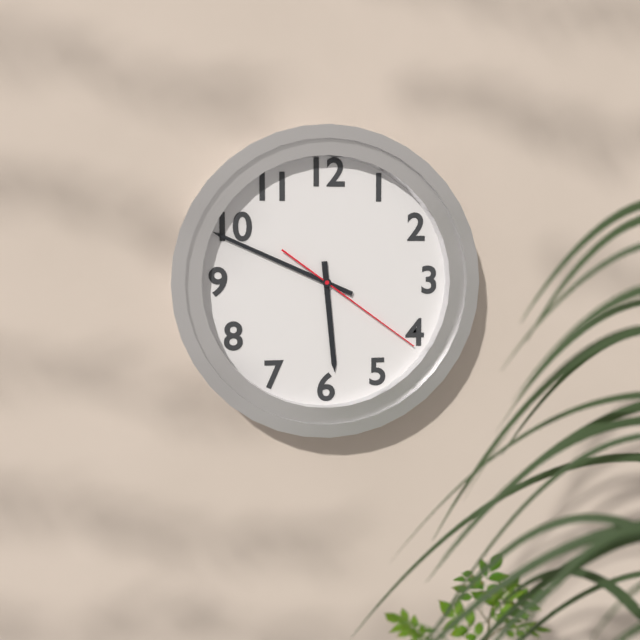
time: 5:49:21
